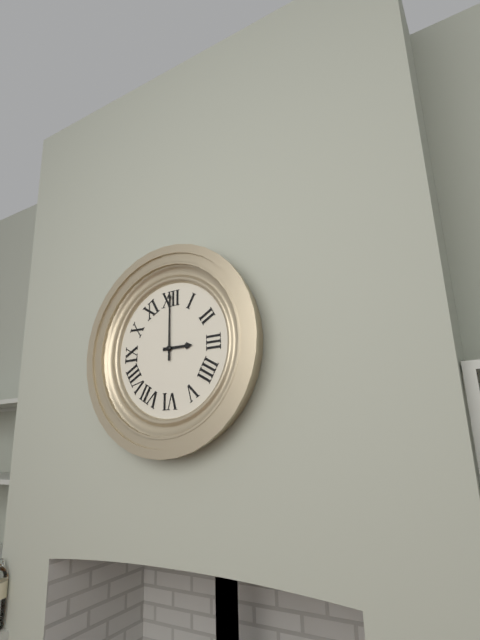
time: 3:00
